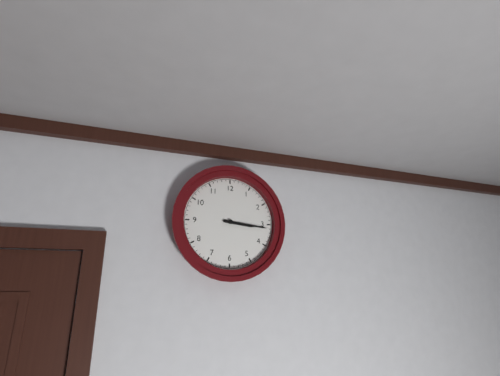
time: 3:16
